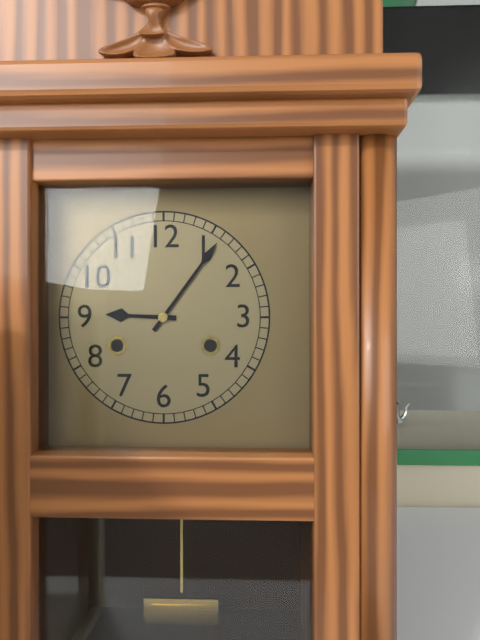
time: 9:06
